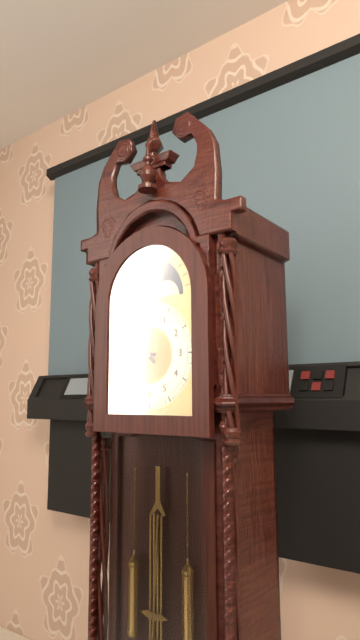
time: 8:53
